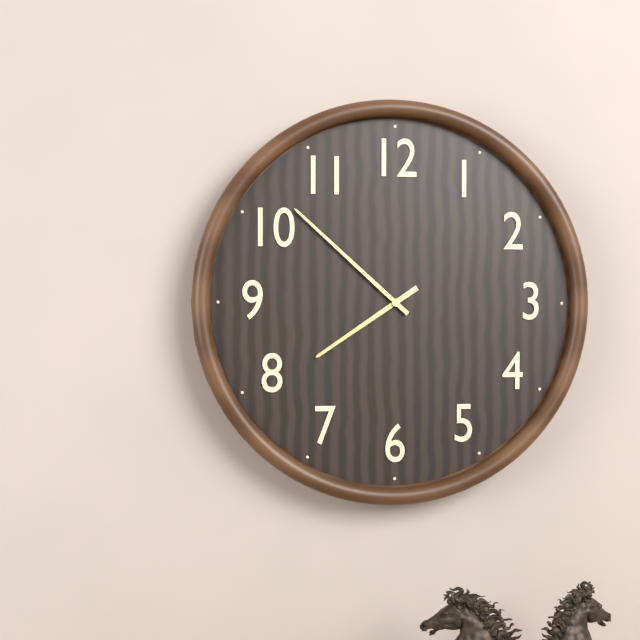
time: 7:52
